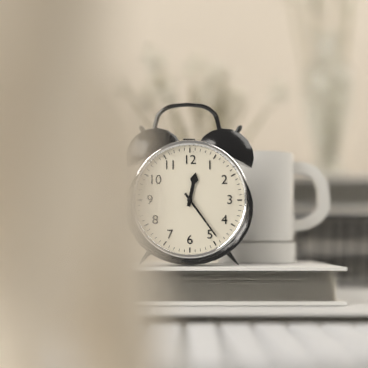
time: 12:24
